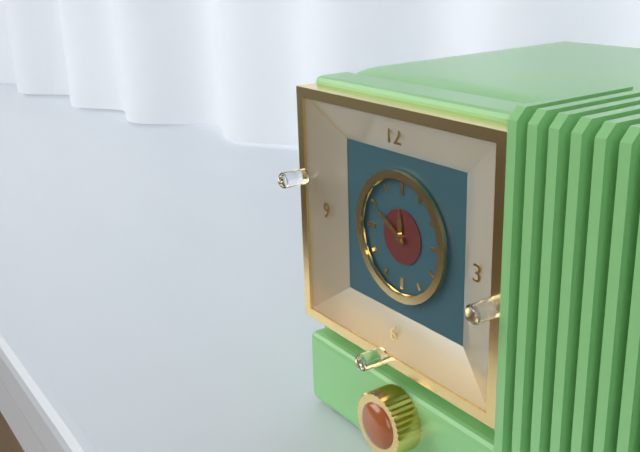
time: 11:50
